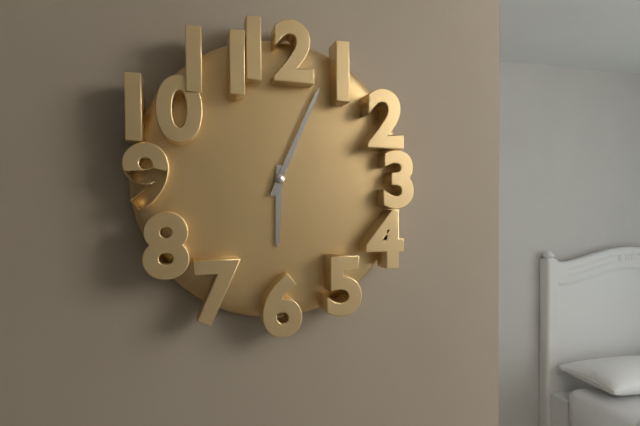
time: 6:04
